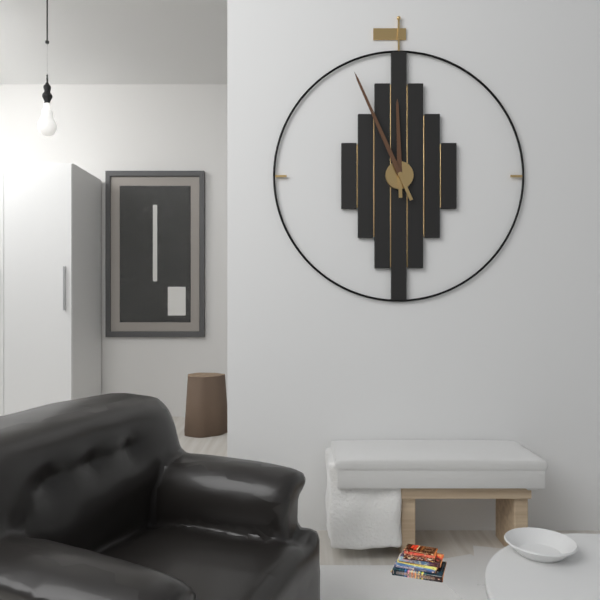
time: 11:56
